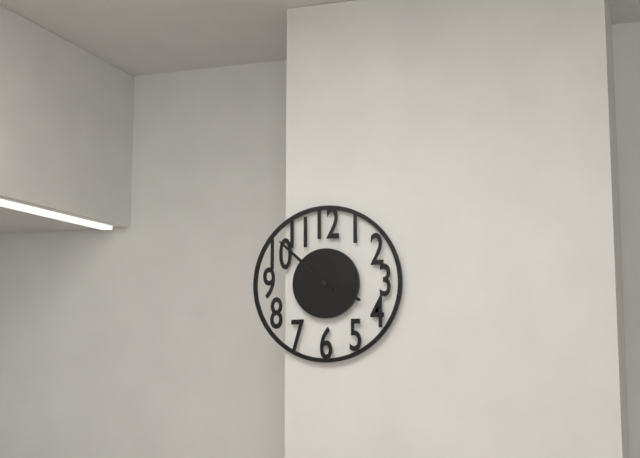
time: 3:52
